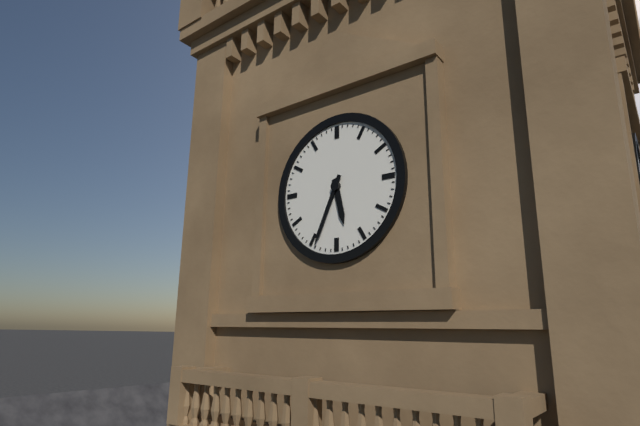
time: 5:34
